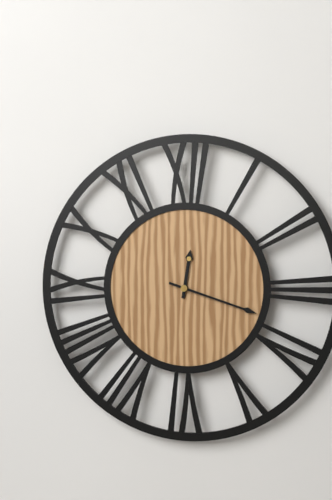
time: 12:18
